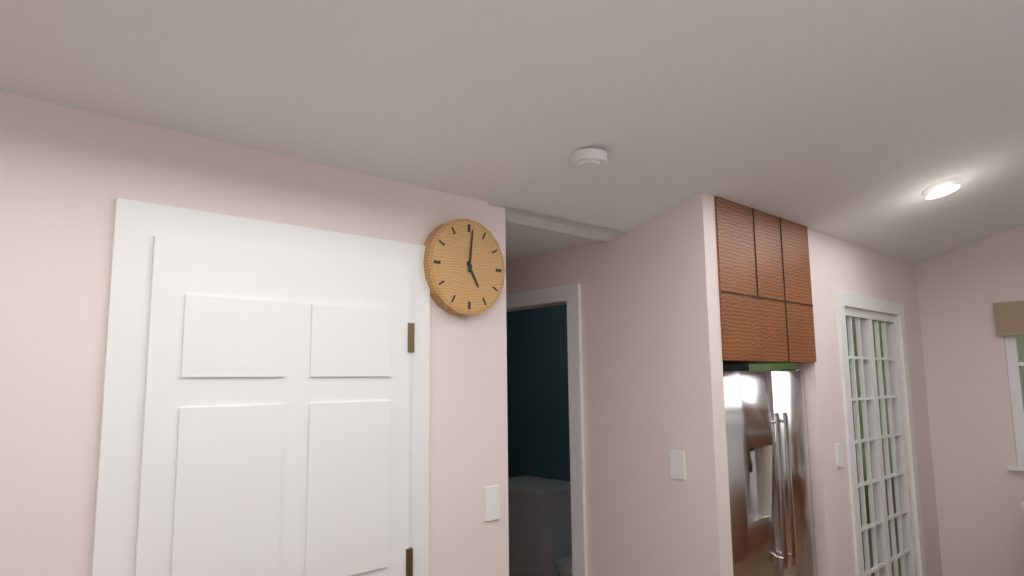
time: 5:01
